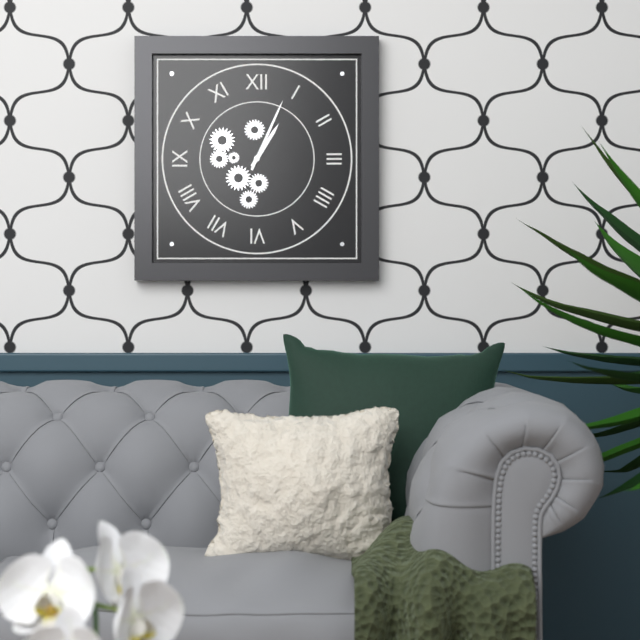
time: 1:04
